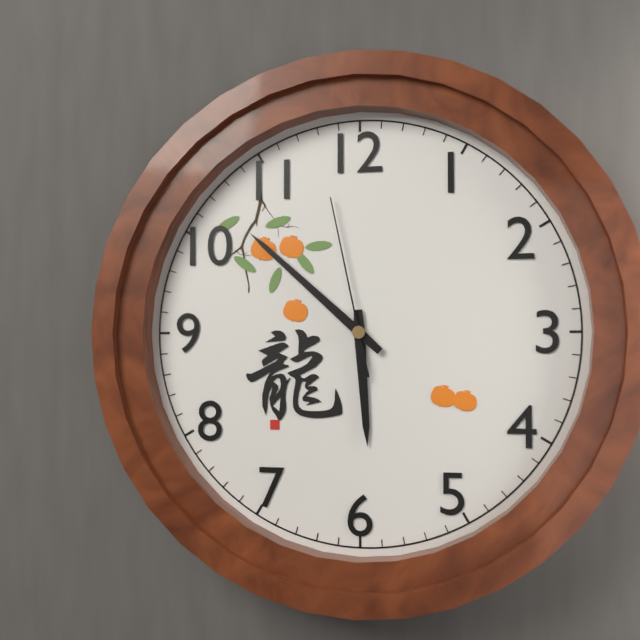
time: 5:52:58
